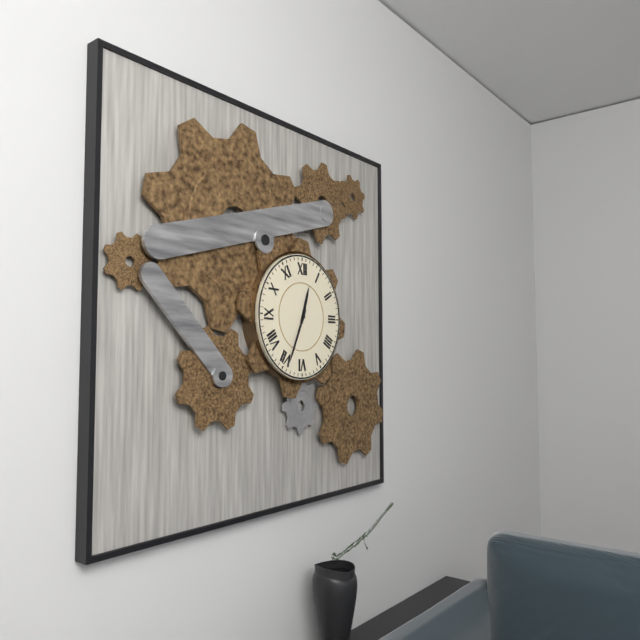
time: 12:34
